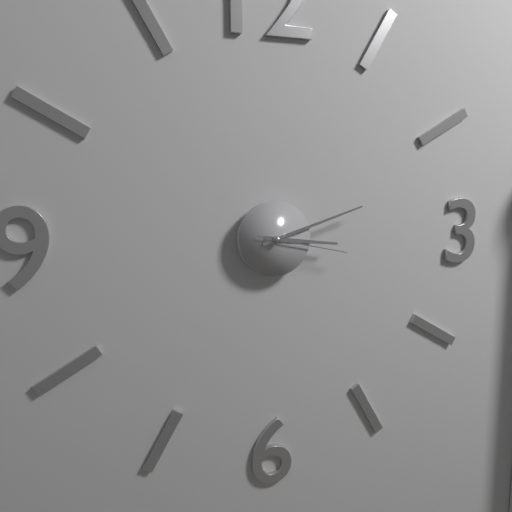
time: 3:12:17
